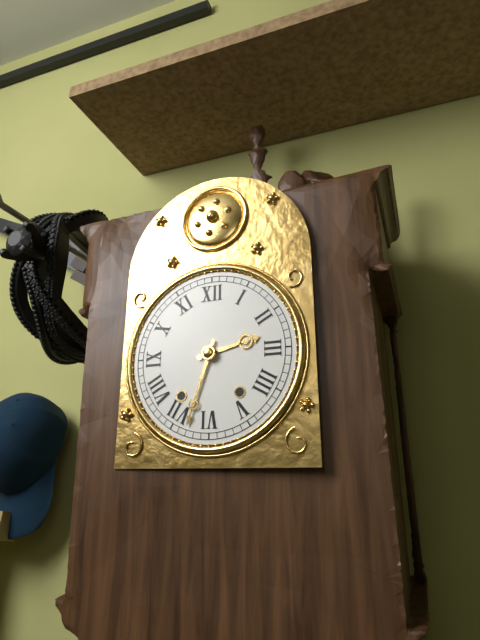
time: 2:33
